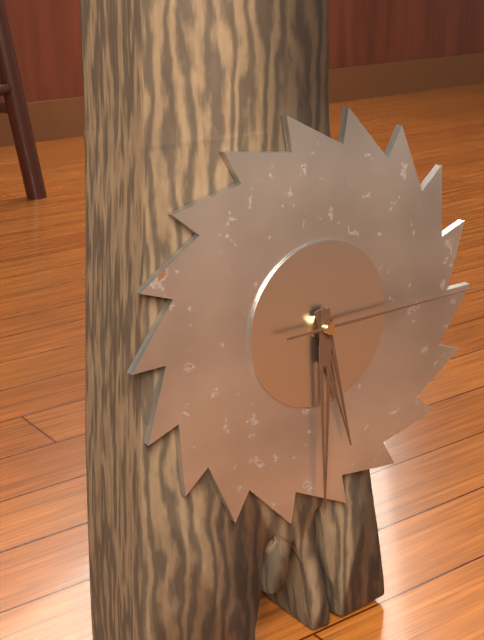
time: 5:30:15
